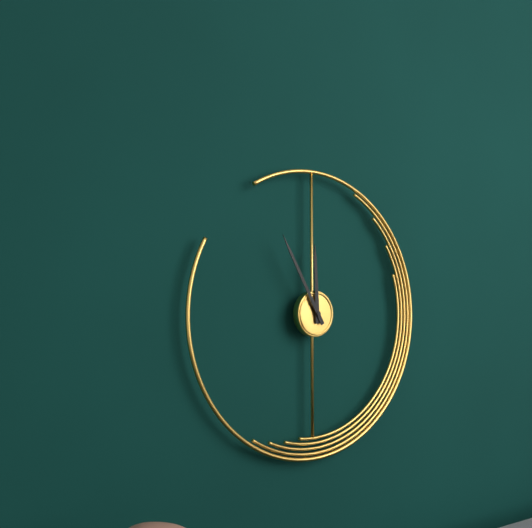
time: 11:55
